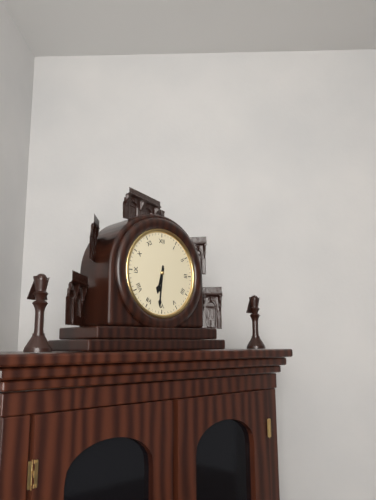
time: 6:31
